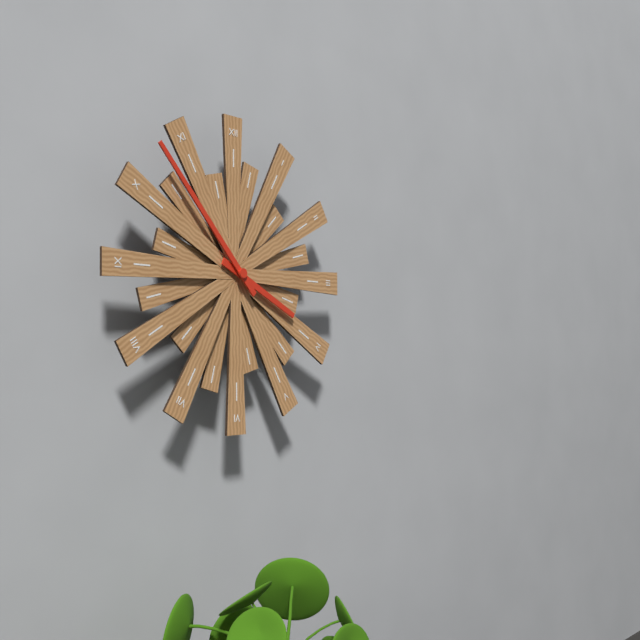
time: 3:53
